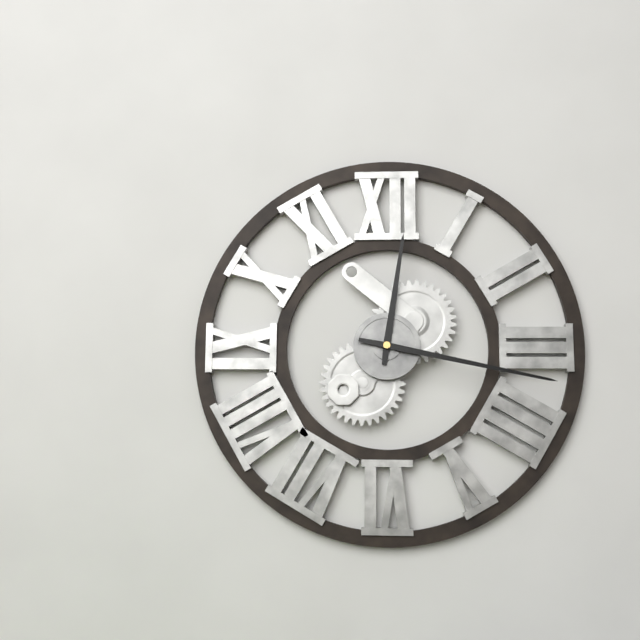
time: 12:17
